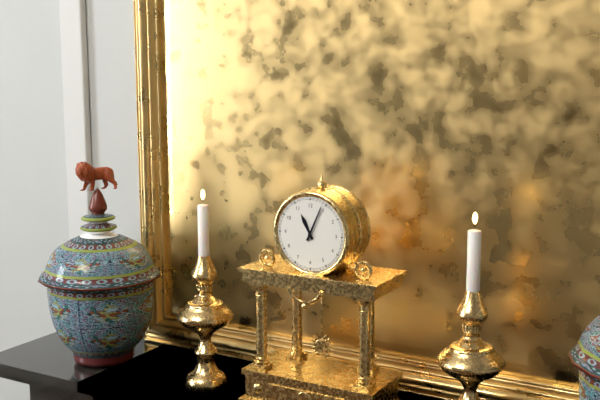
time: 11:04
